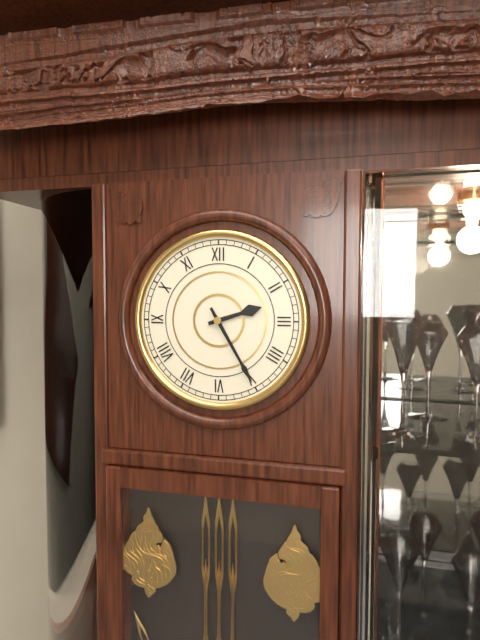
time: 2:25
